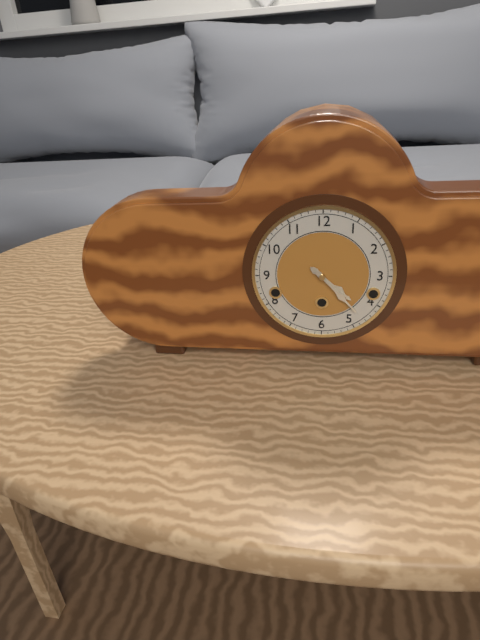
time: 4:23
